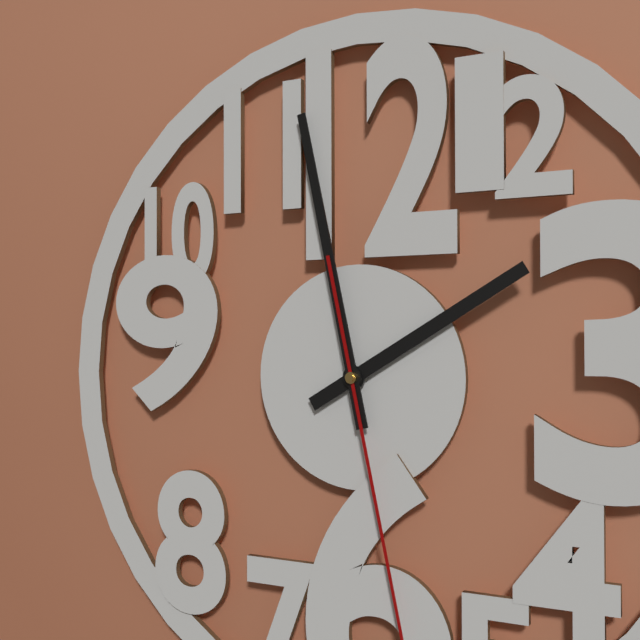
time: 1:58
